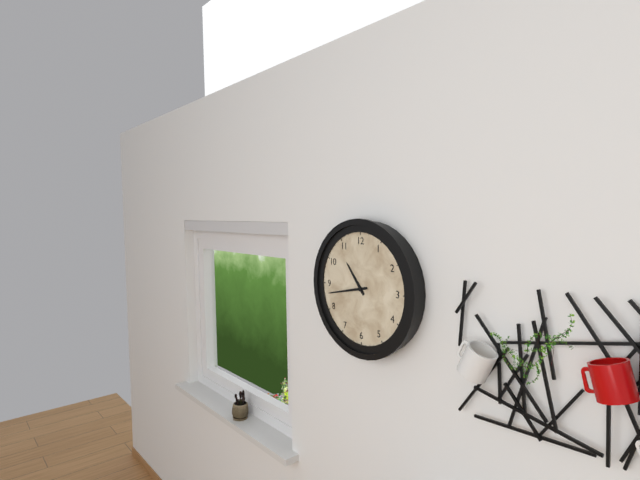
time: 10:43
